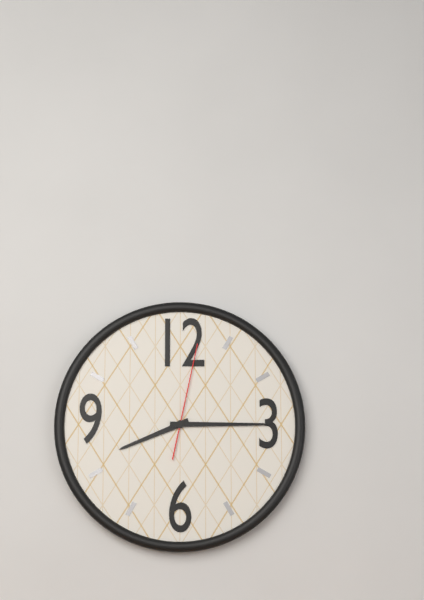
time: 8:15:02
